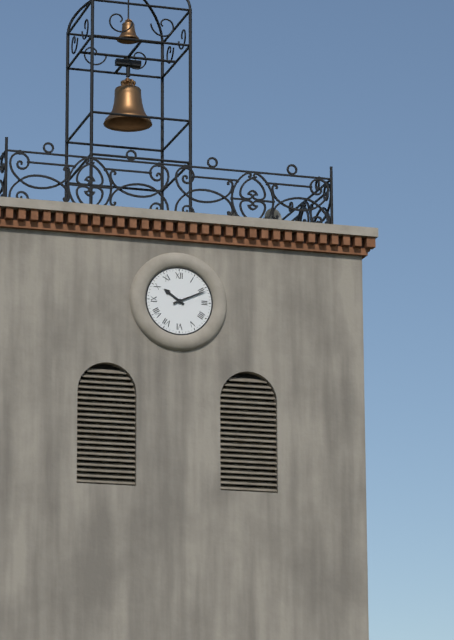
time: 10:11
